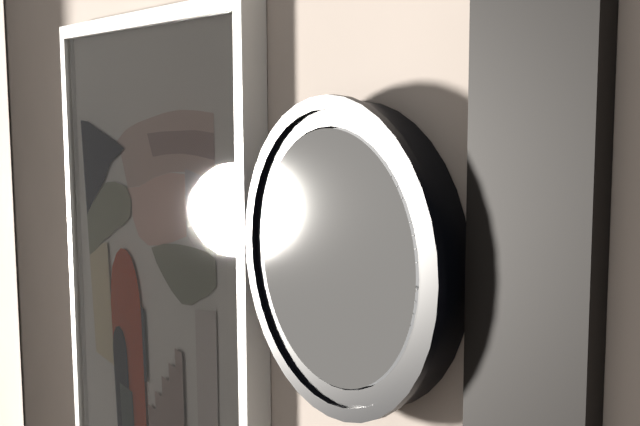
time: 1:37:16
